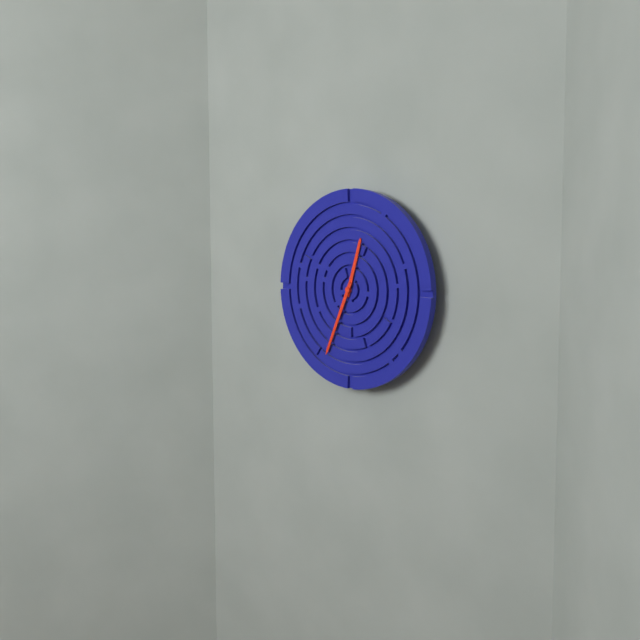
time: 12:34
